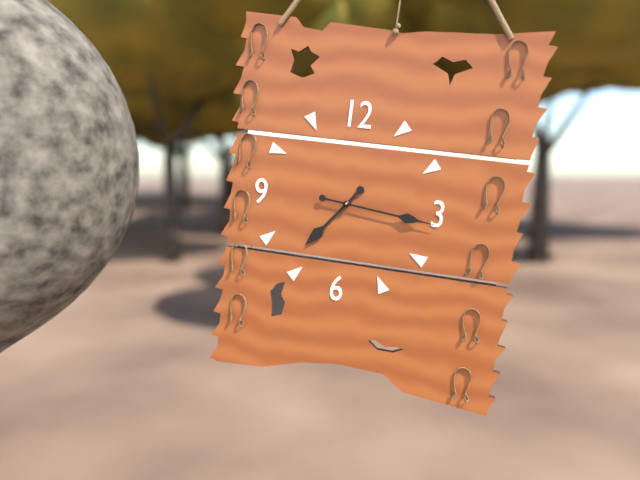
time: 7:16
